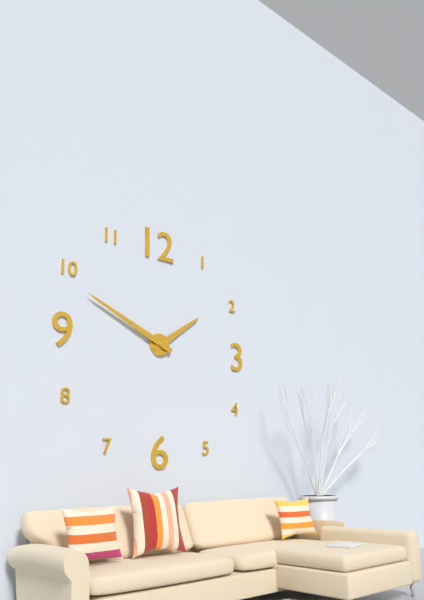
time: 1:49
